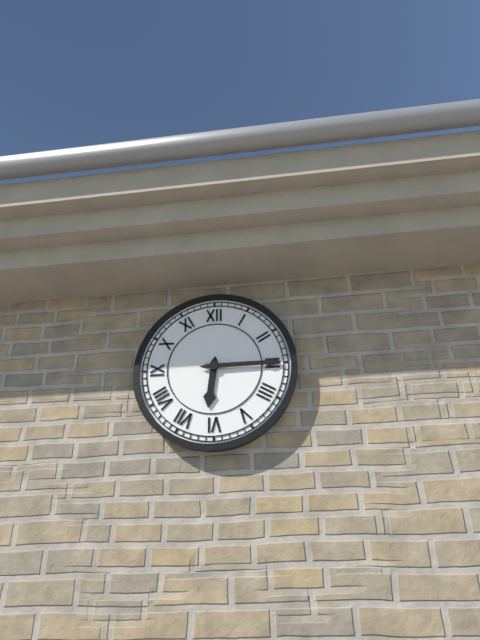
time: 6:15
